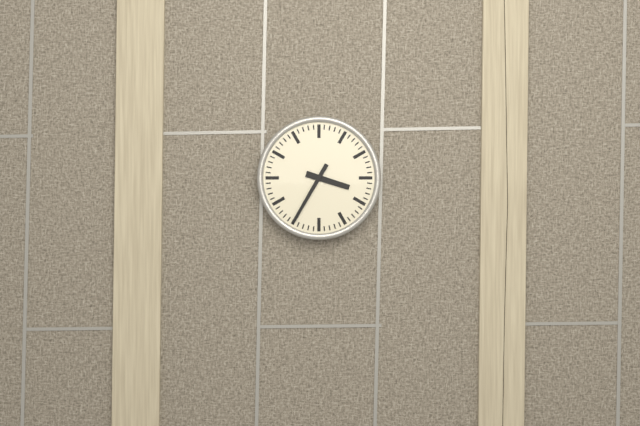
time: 3:35
